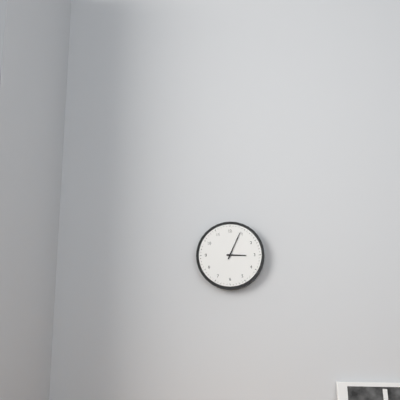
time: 3:04
